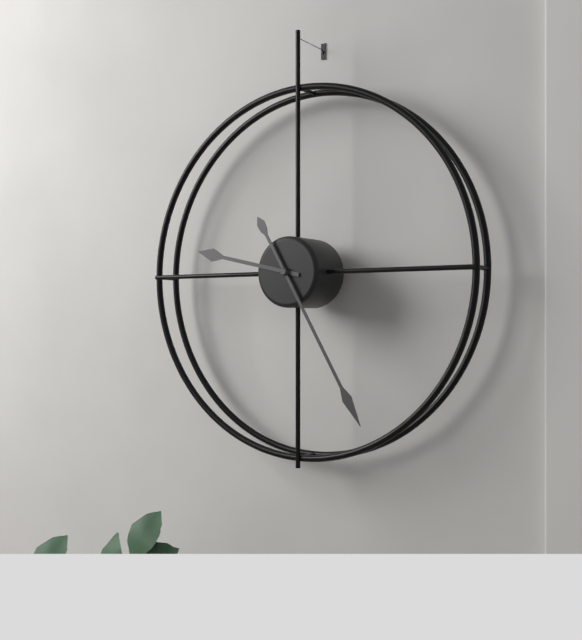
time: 9:25
